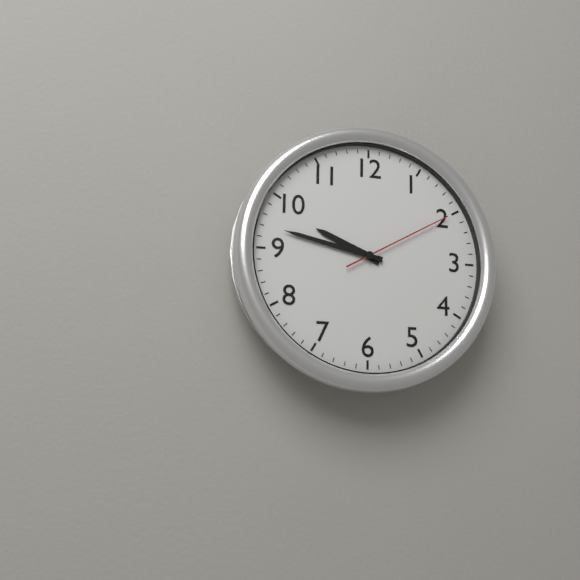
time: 9:47:10
